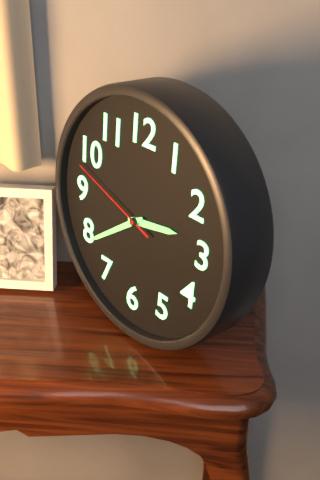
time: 2:39:48
